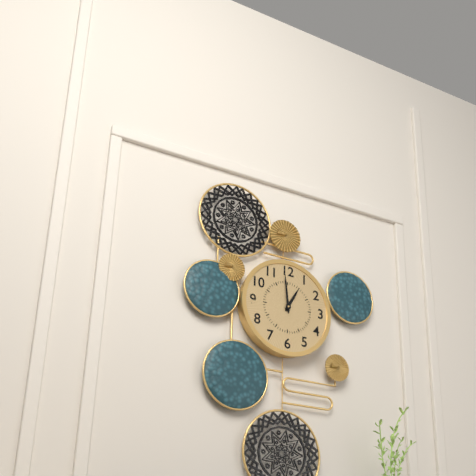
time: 12:59
